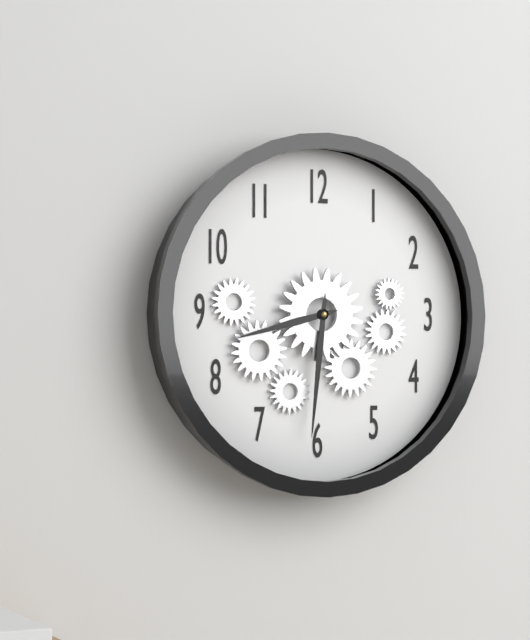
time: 8:31
